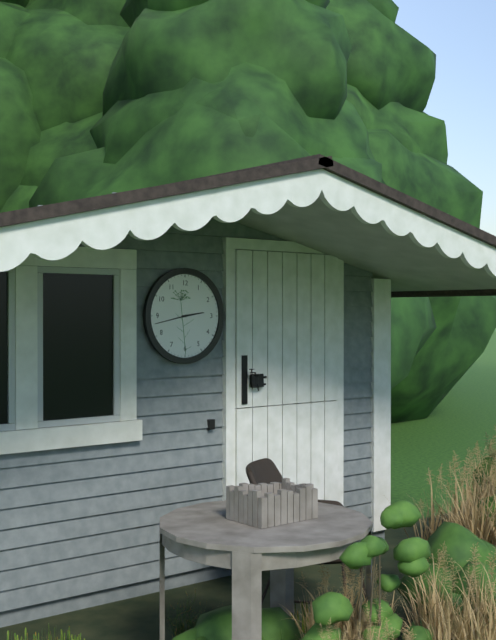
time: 2:43
